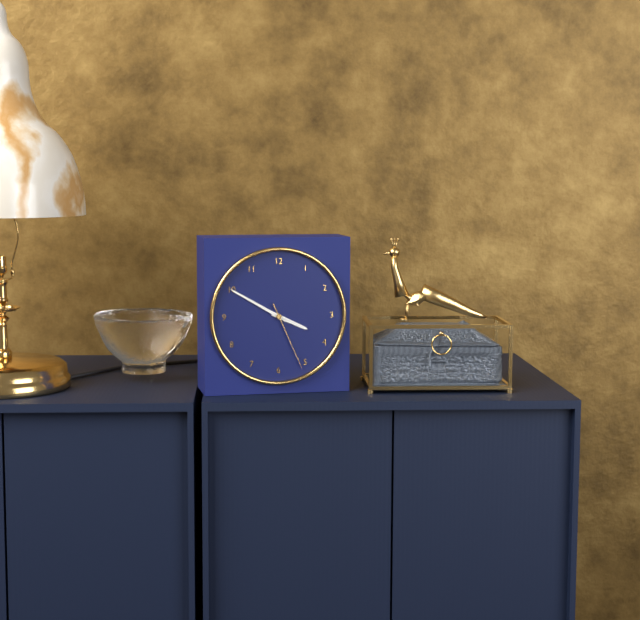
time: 3:50:26
